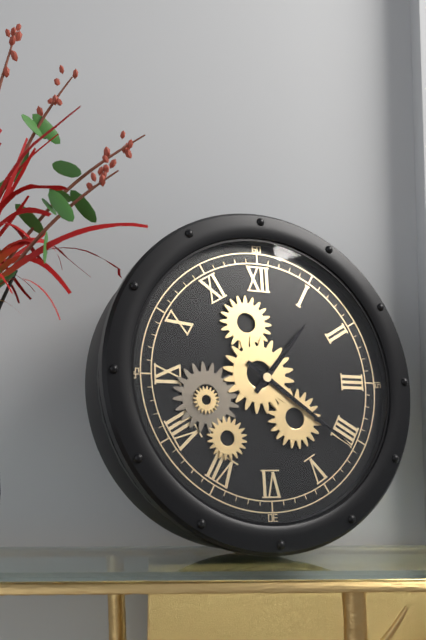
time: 1:21
